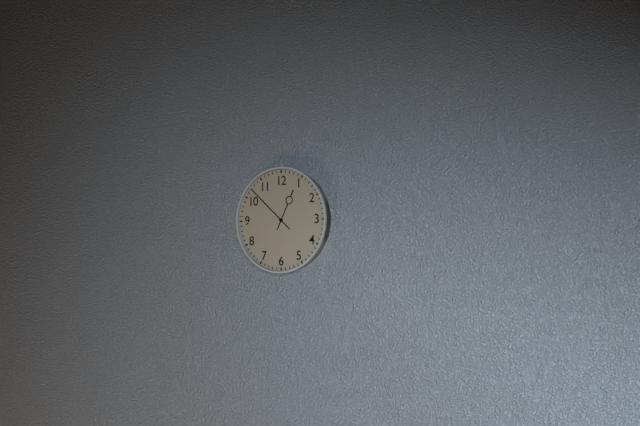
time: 12:52
